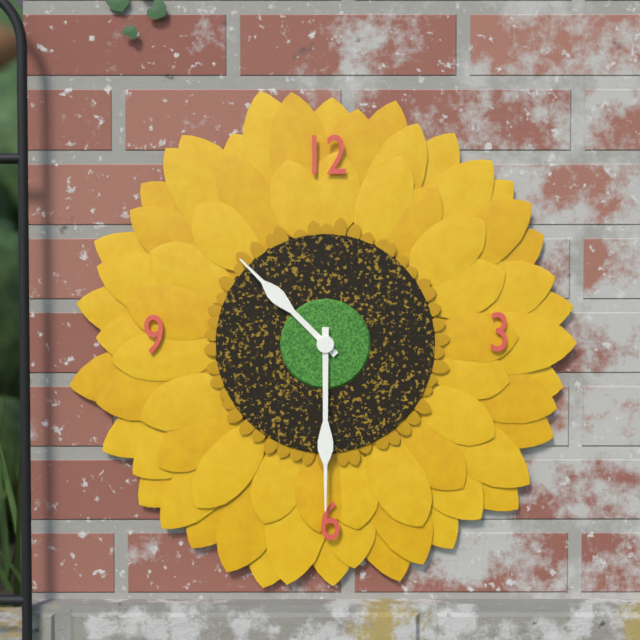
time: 10:30
